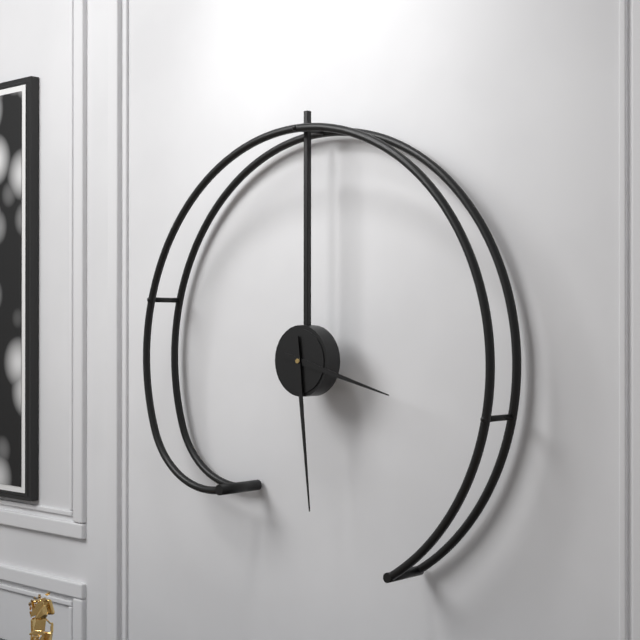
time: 3:29
